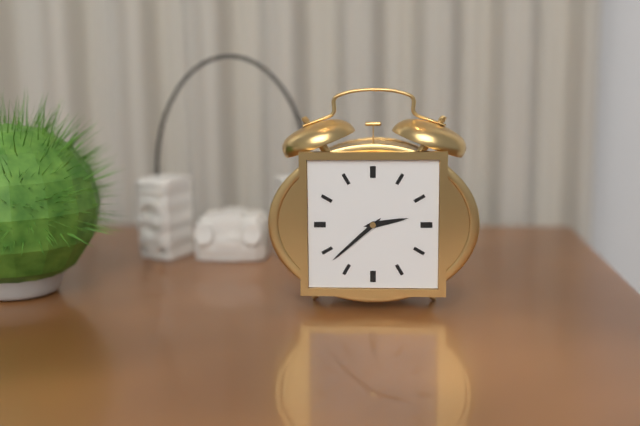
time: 2:38
